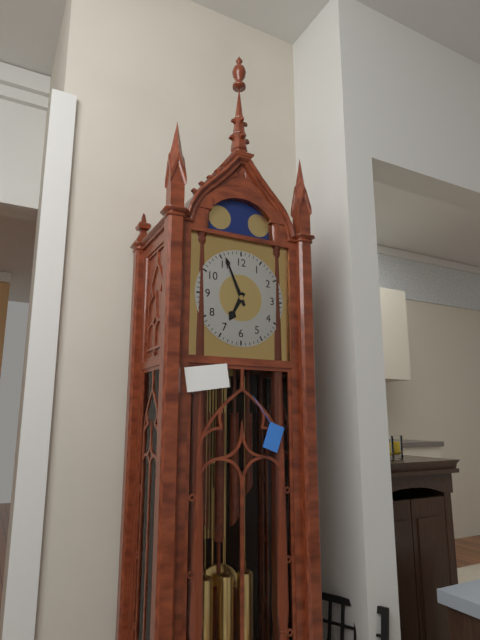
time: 6:56
